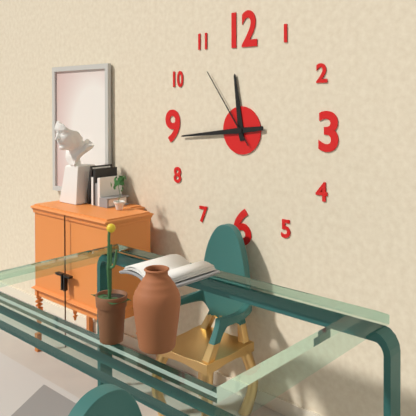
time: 11:44:54
